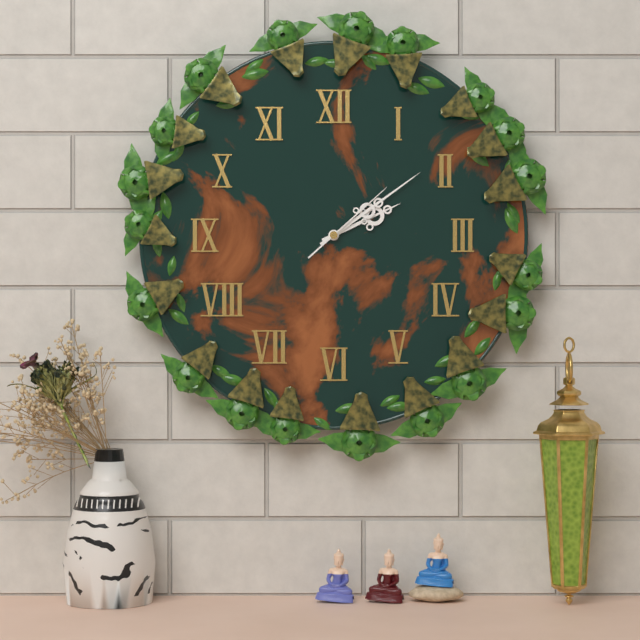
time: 2:09:08
